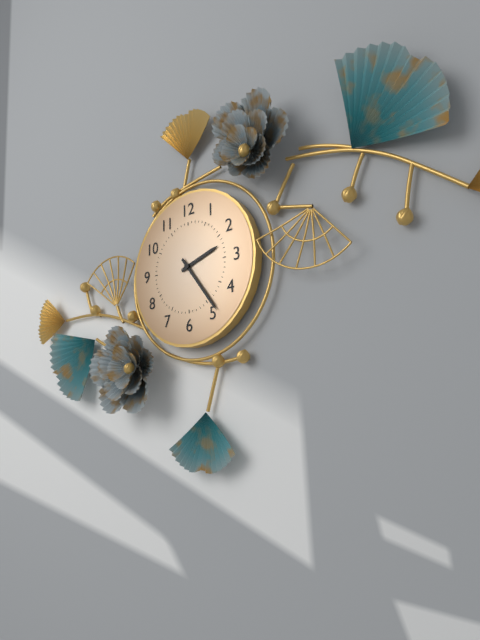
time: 2:24
